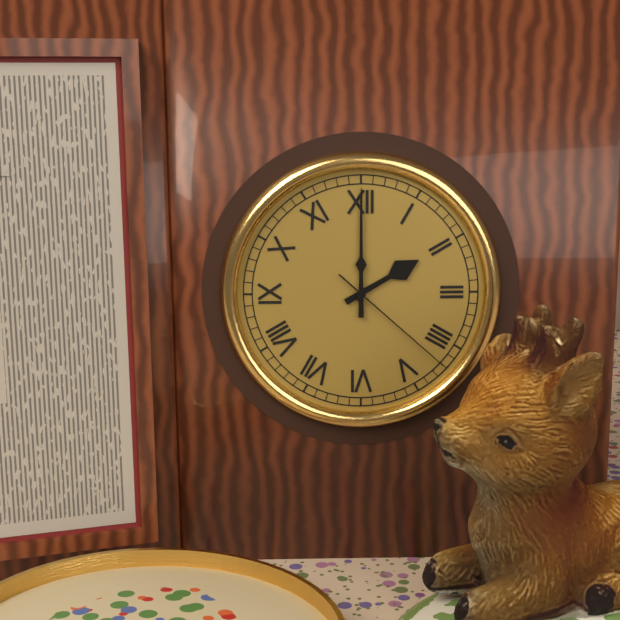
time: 2:00:22
